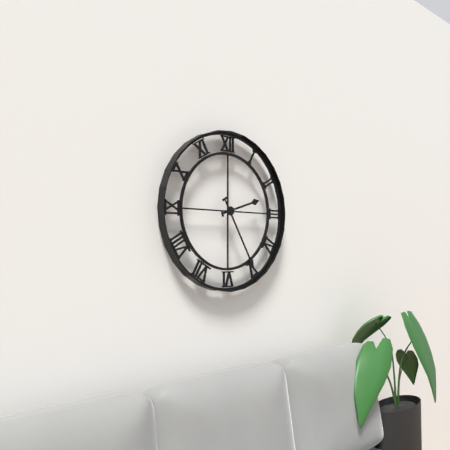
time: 2:25
